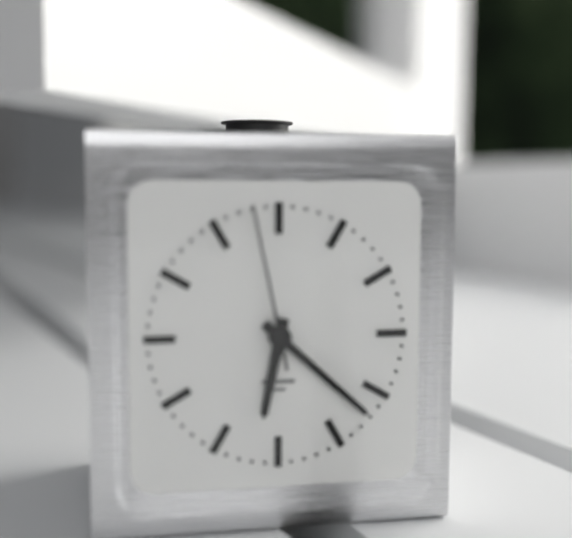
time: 6:22:58
